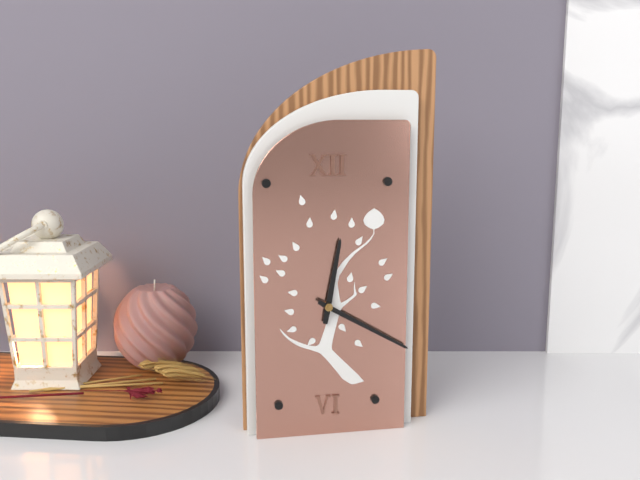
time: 12:20
